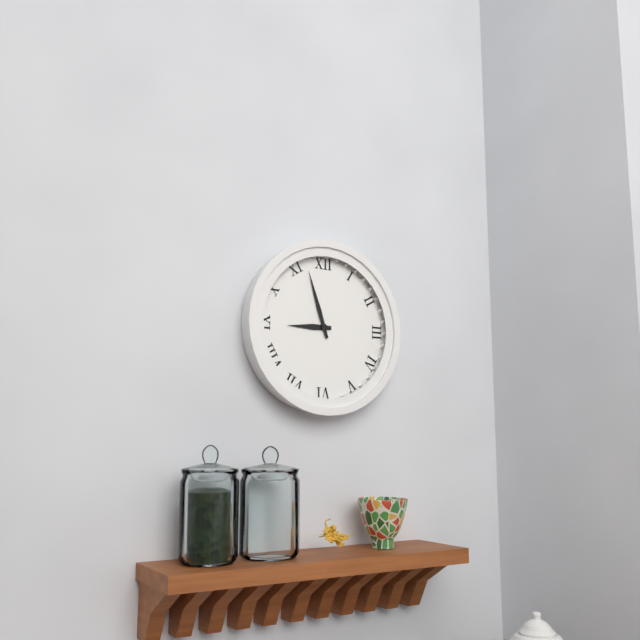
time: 8:57
